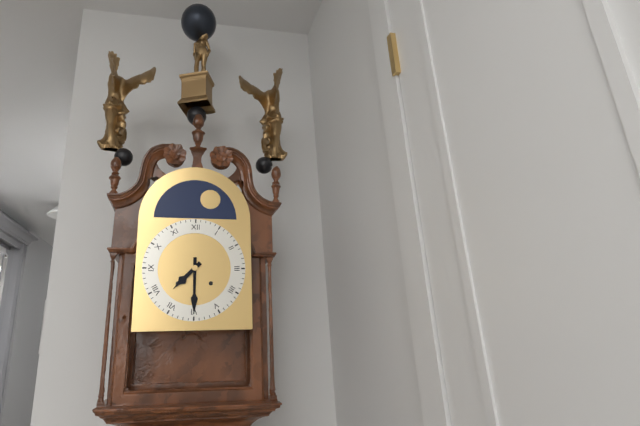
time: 7:30
